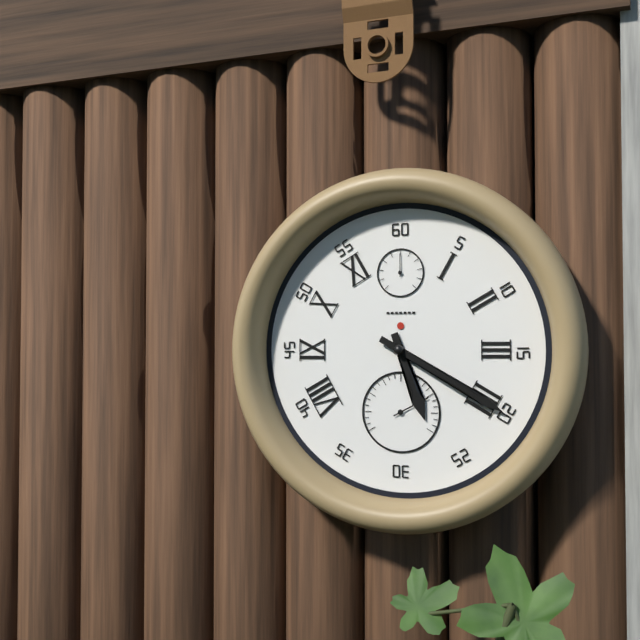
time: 5:20
